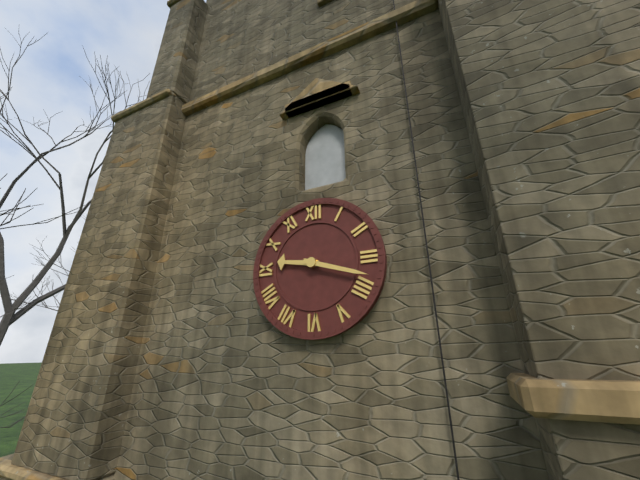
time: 9:18
